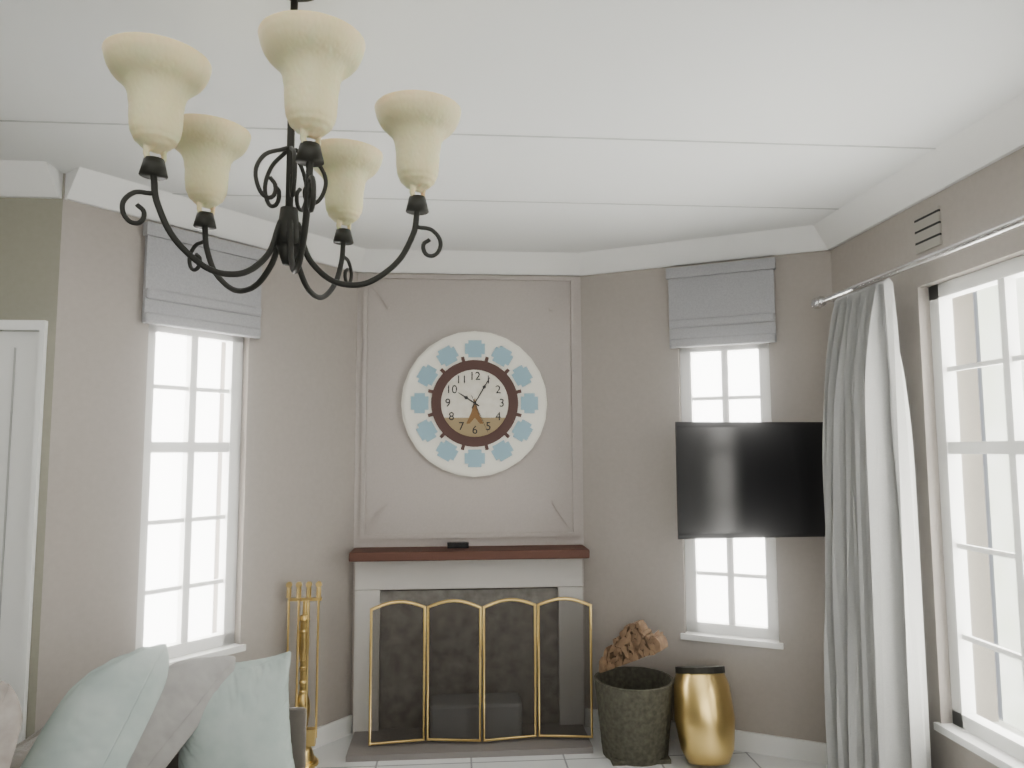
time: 10:05
